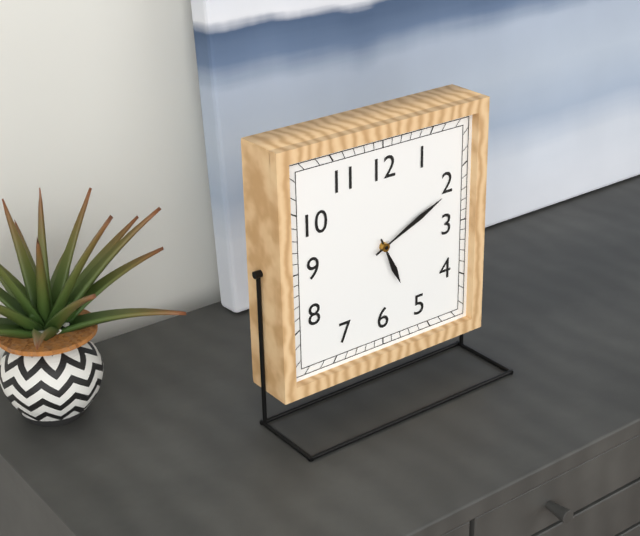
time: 5:11
